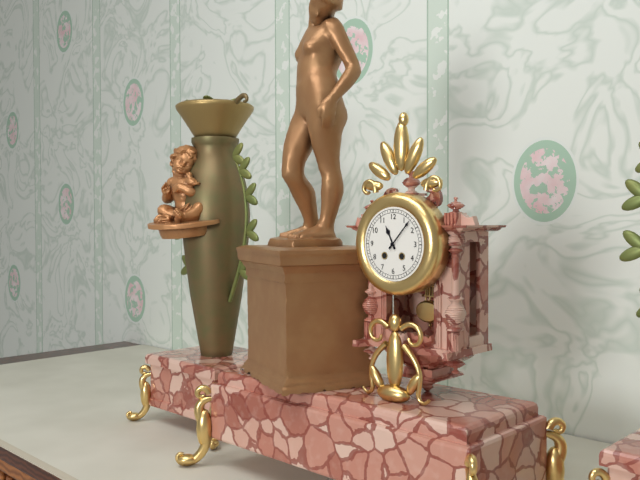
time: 11:07
